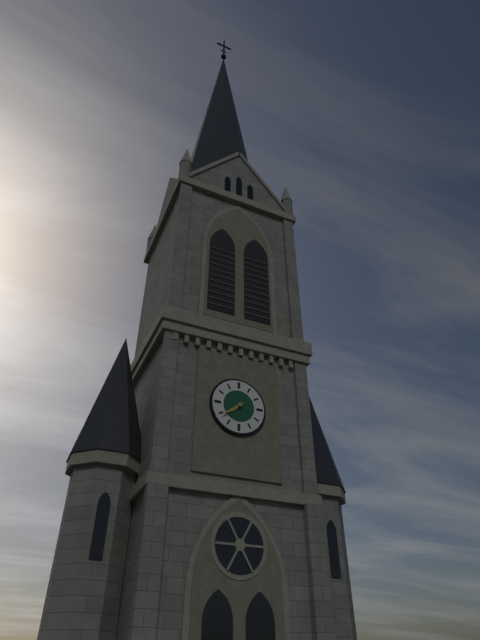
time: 7:39
